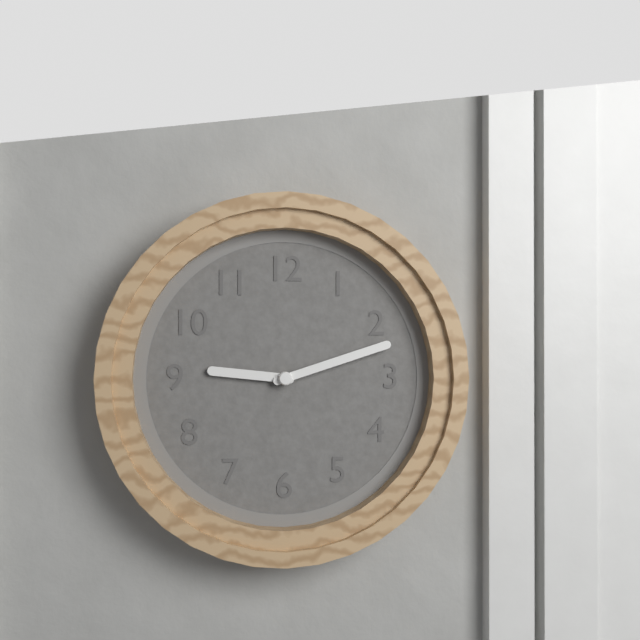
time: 9:12
